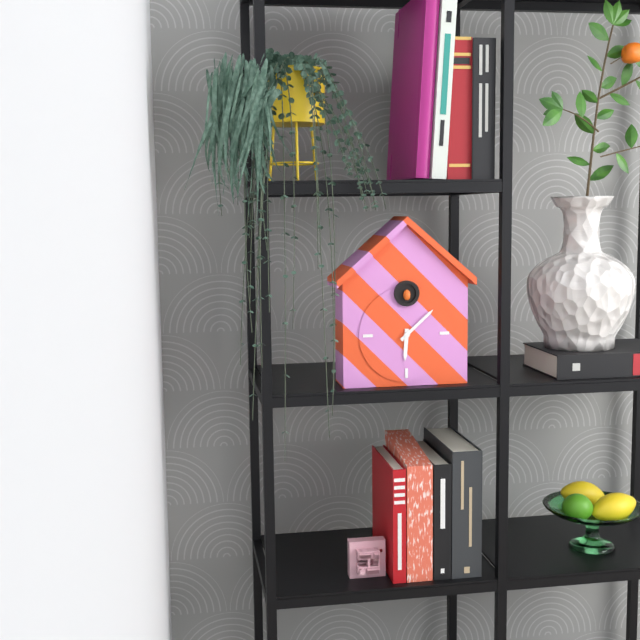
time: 6:08
